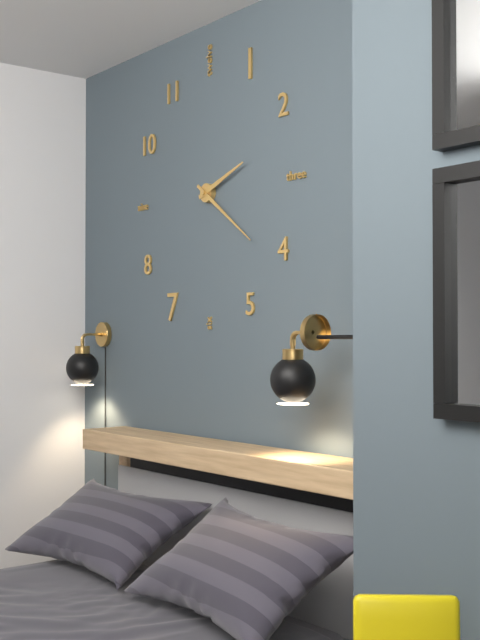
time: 2:21
